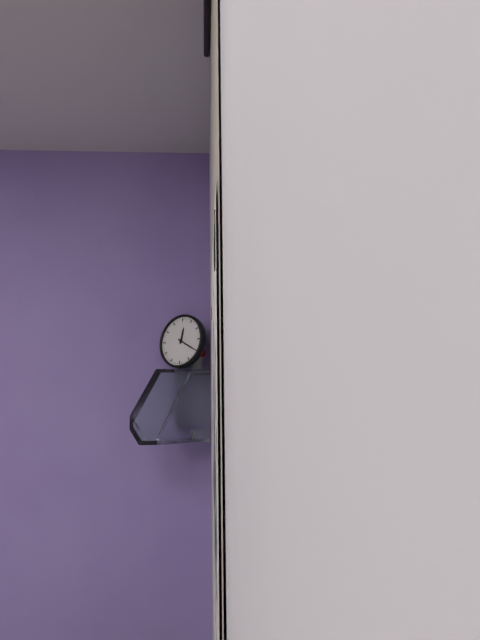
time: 12:20
